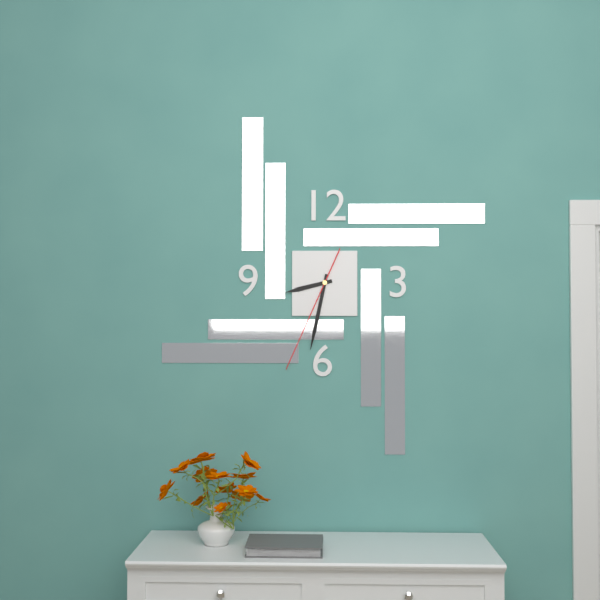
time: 8:32:34
